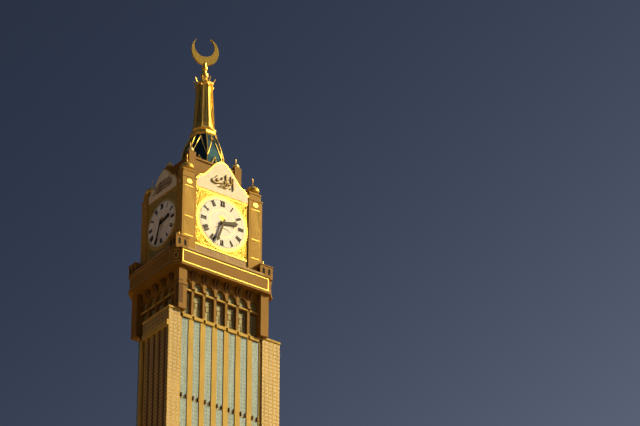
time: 2:33
